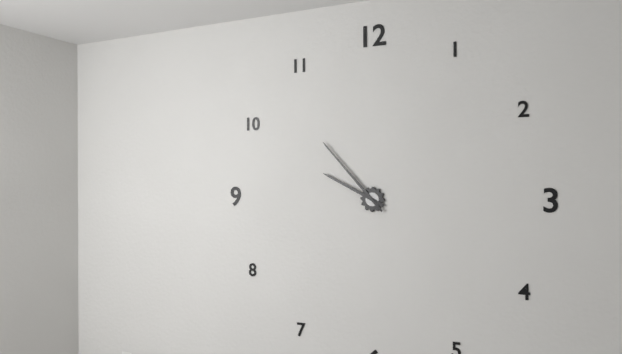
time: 9:53
